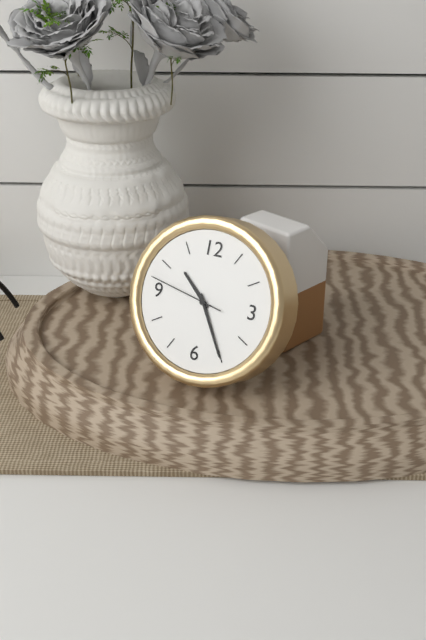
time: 10:25:47
